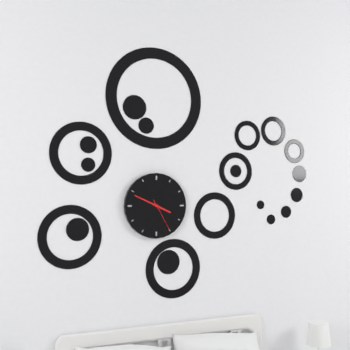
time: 3:49
